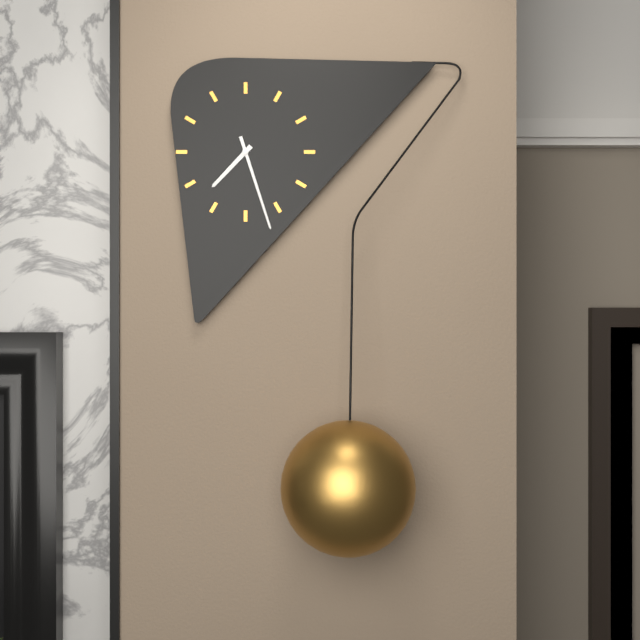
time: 7:27
